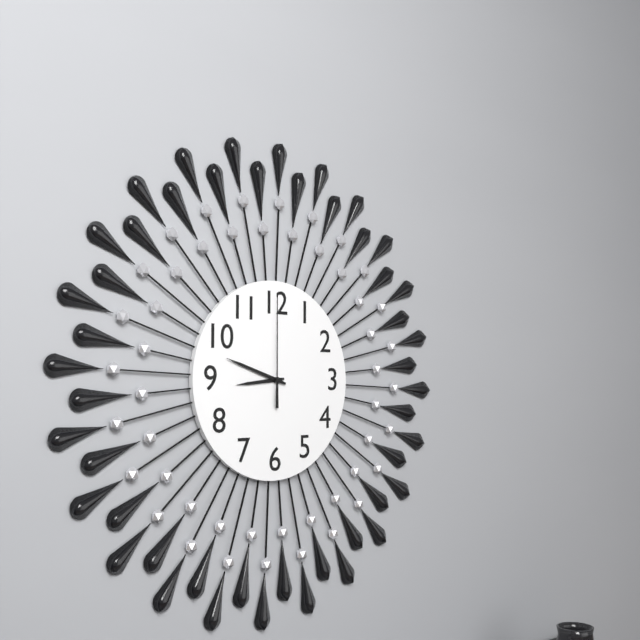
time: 8:48:00
